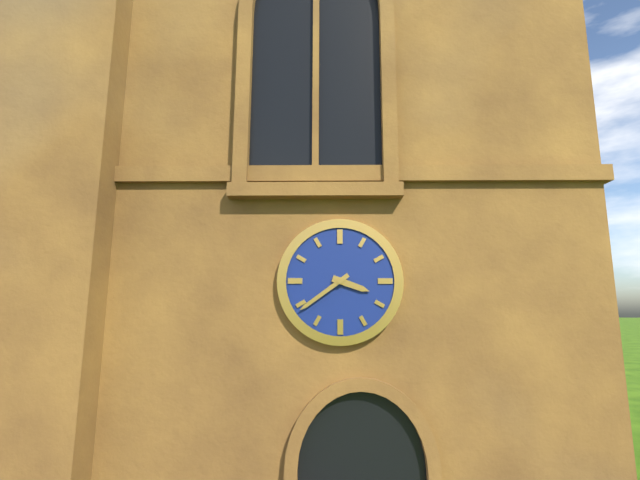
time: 3:39
